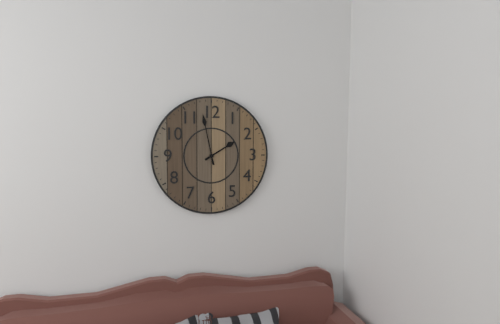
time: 1:58
